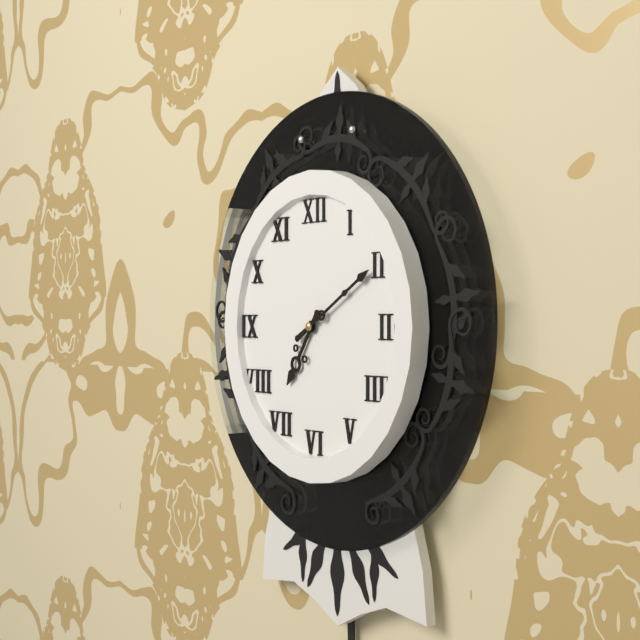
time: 7:10
